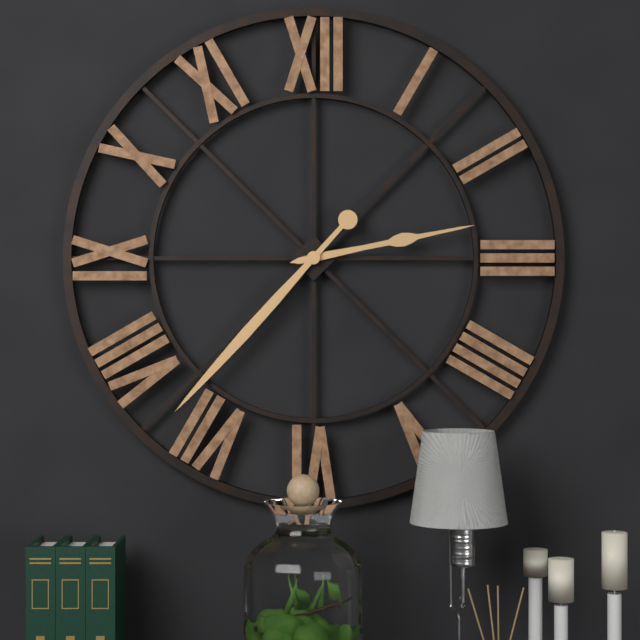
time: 2:37
